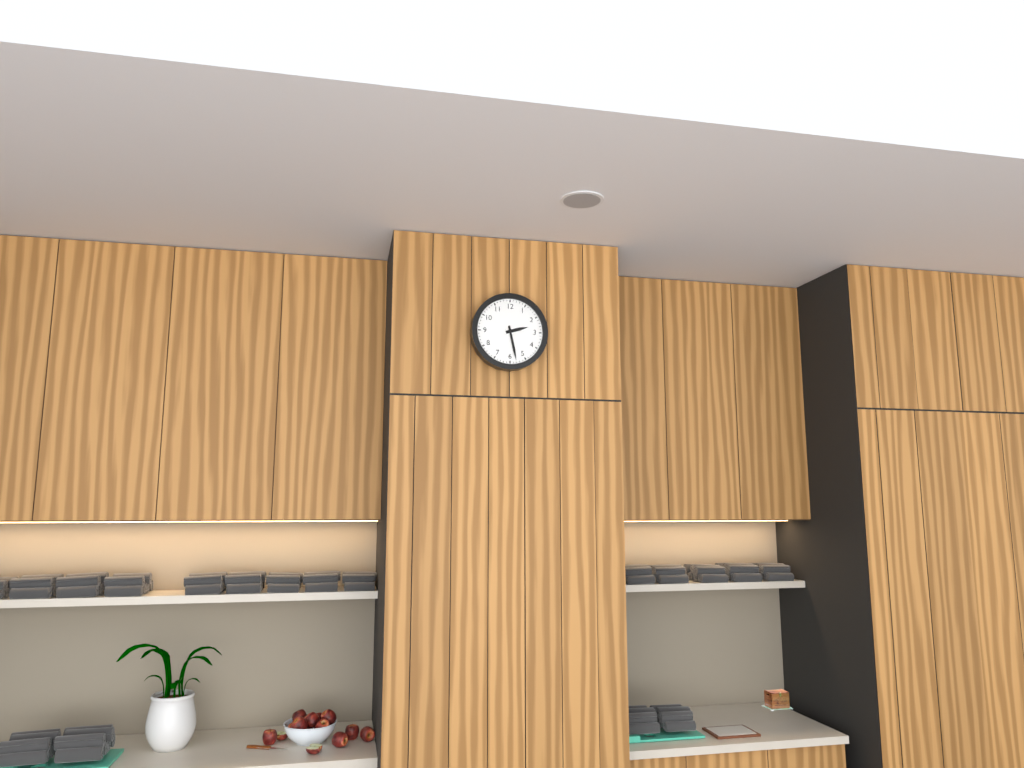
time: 2:28
